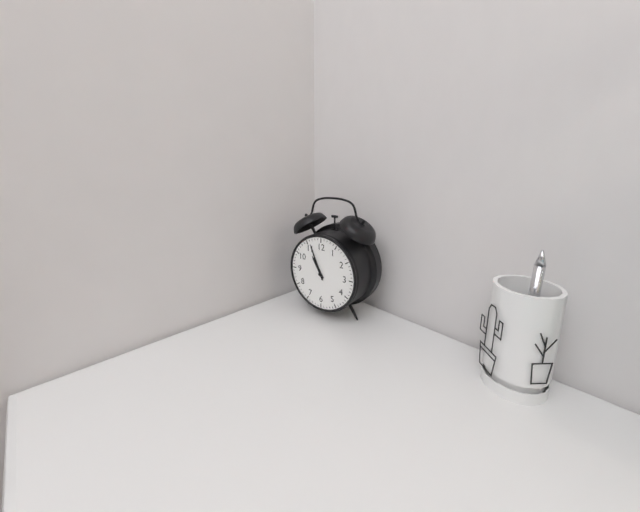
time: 10:56
